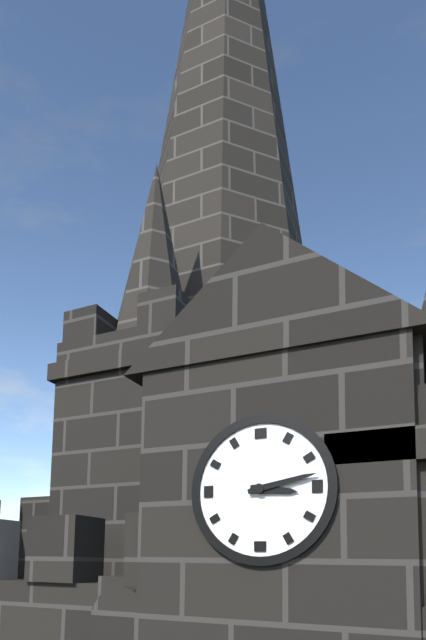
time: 3:13
